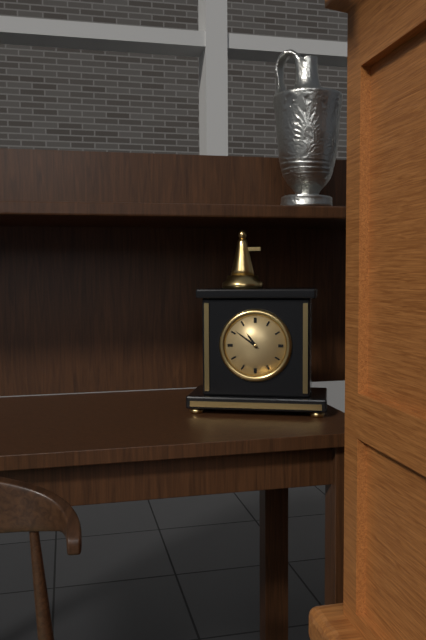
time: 10:51
